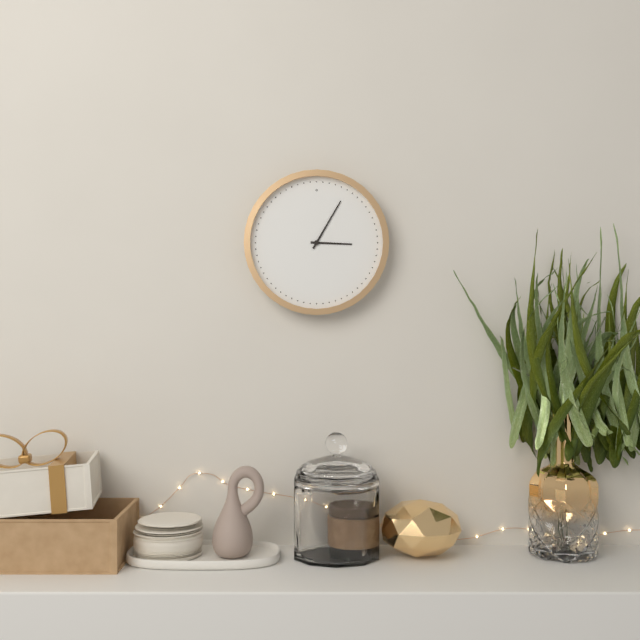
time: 3:05
